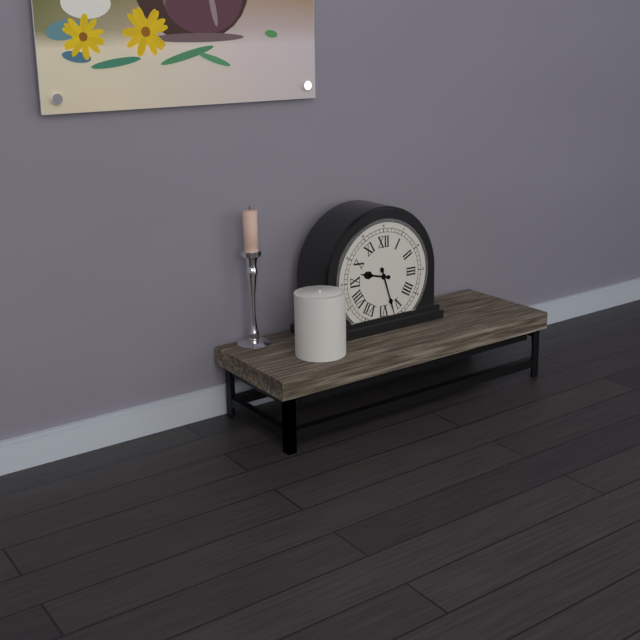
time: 9:27
